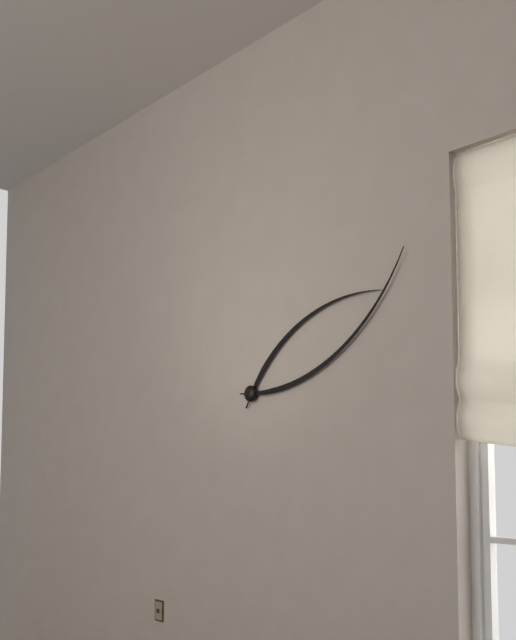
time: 2:10
